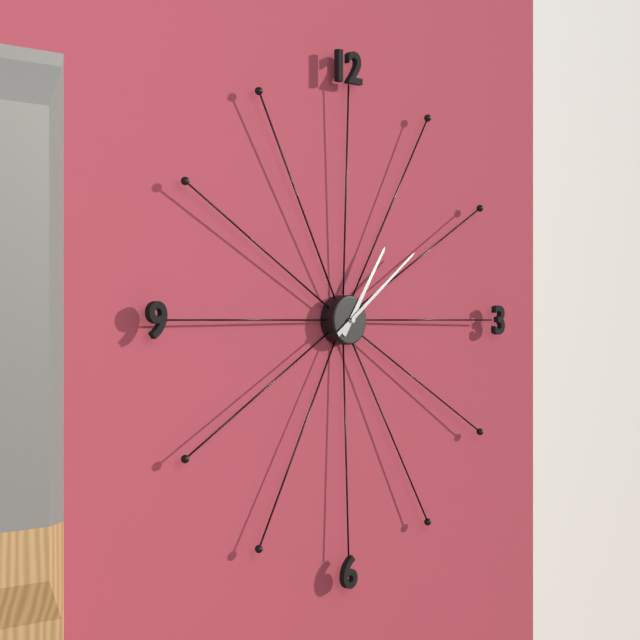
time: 1:09
